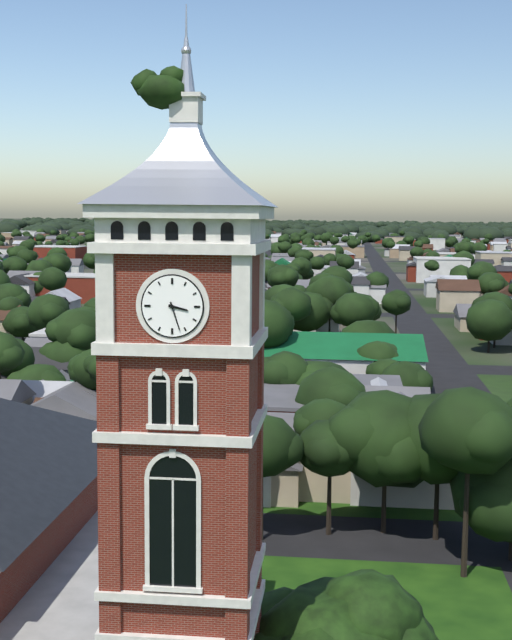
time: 3:27
